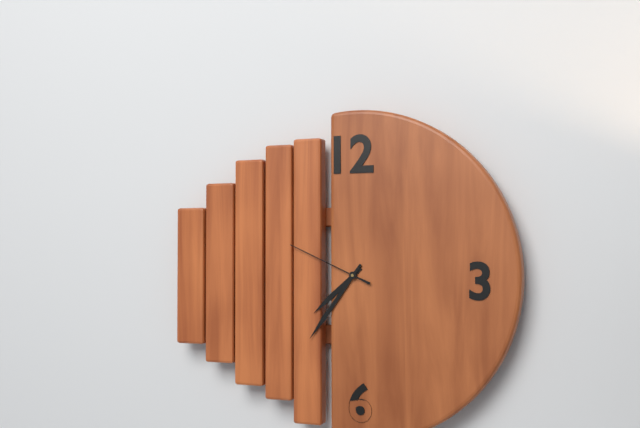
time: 7:36:49
